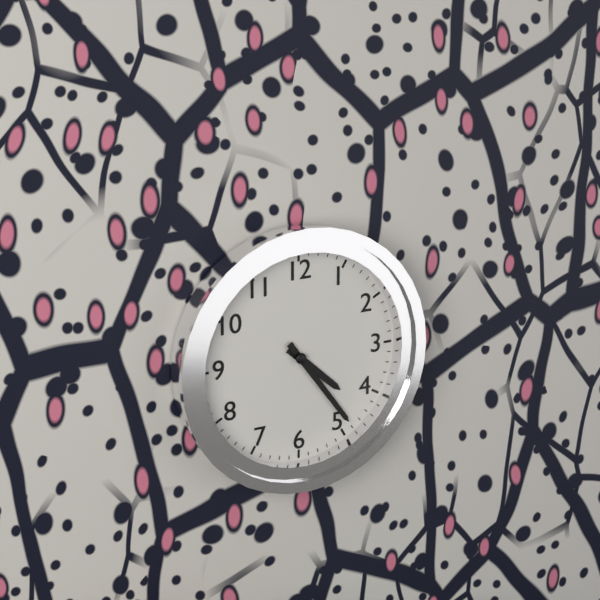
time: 4:24
